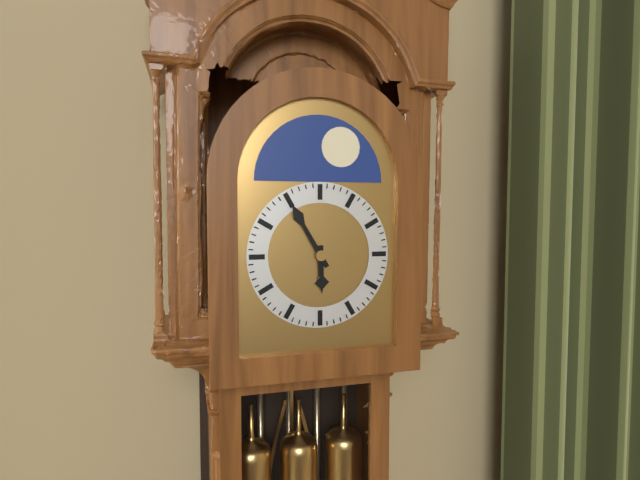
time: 5:55
